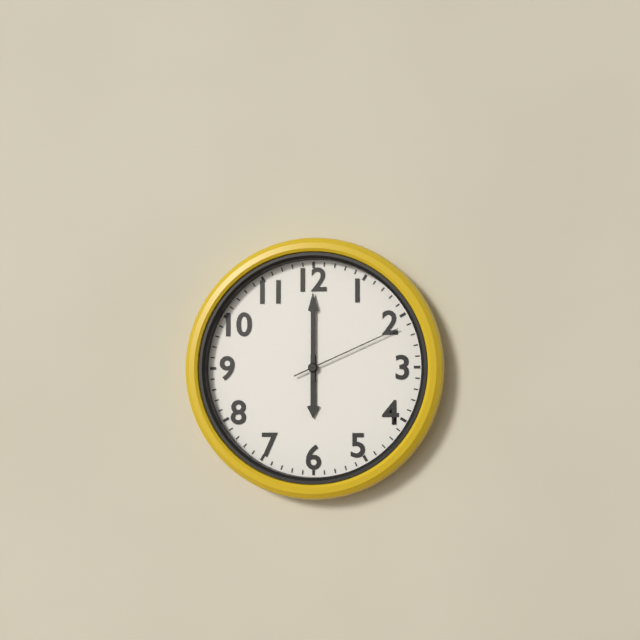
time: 6:00:11
